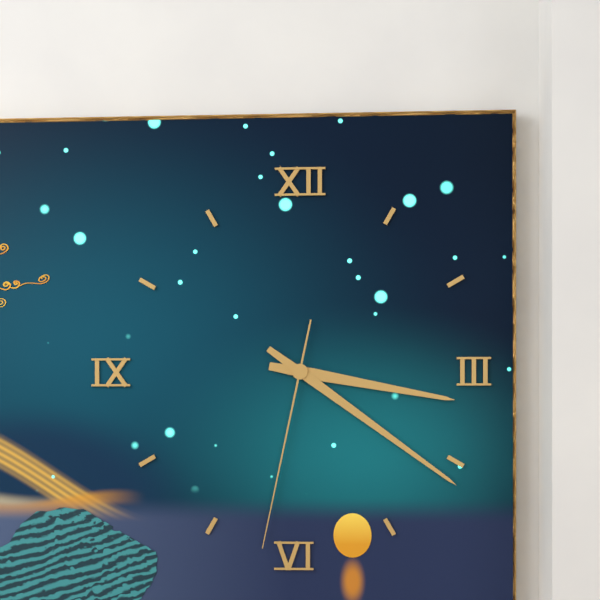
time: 3:21:32
